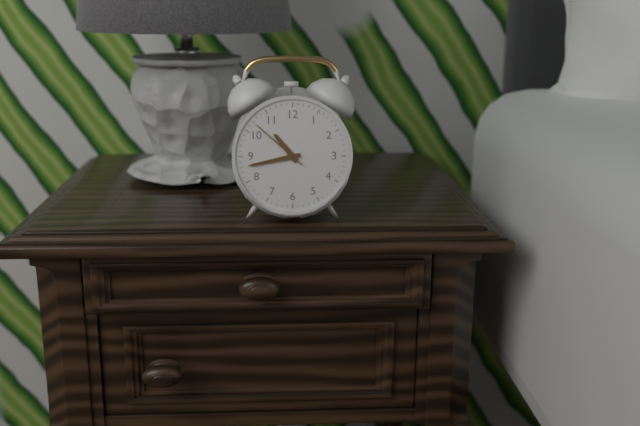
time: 10:43:52
